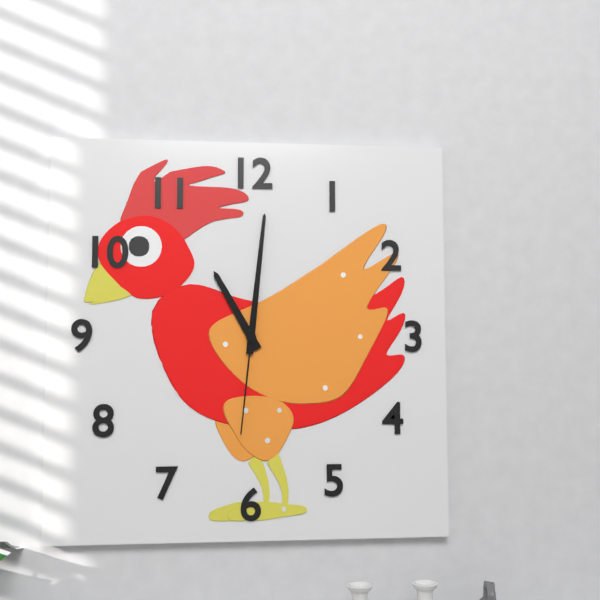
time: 11:01:31
